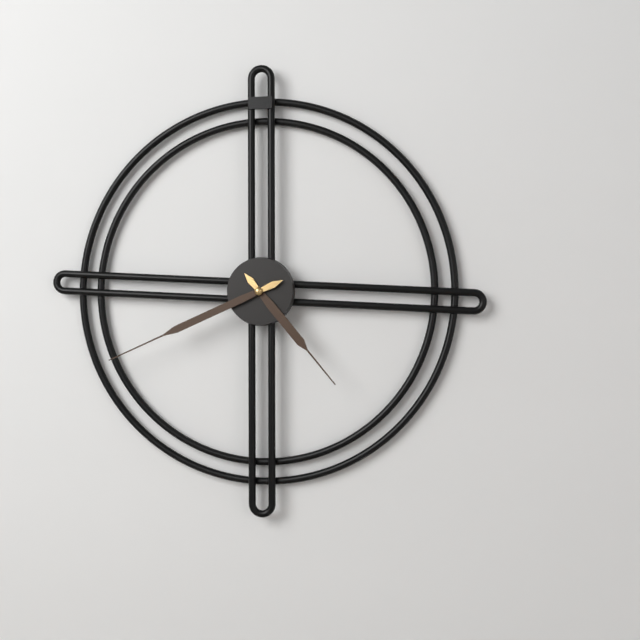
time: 4:41
